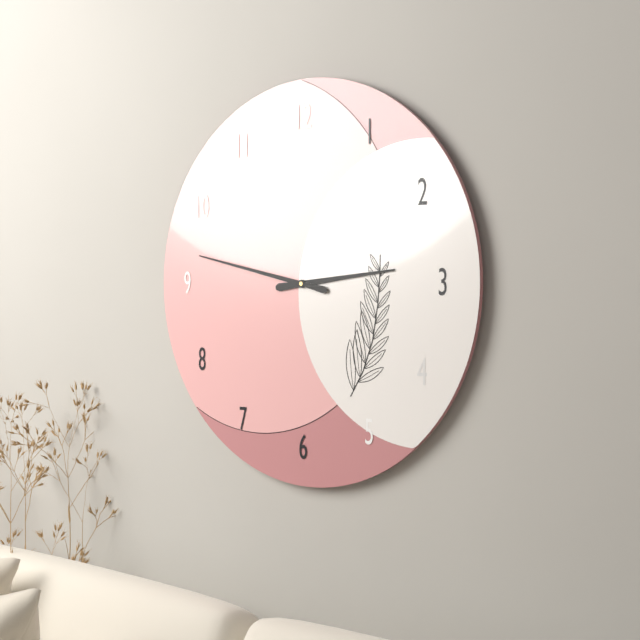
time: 2:47
